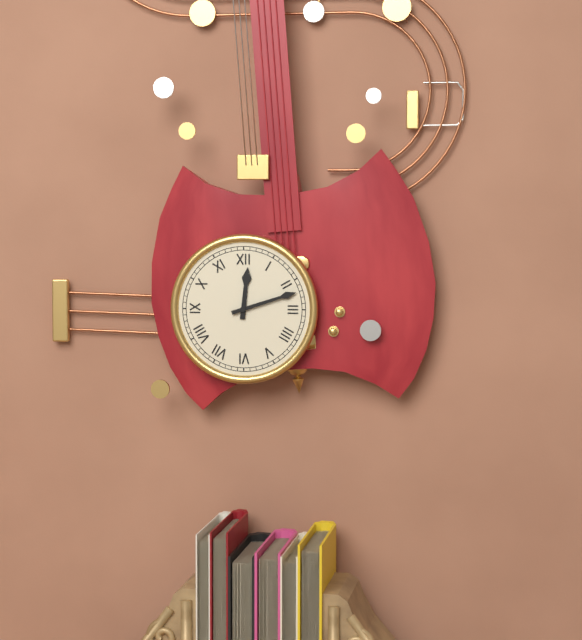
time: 12:12
